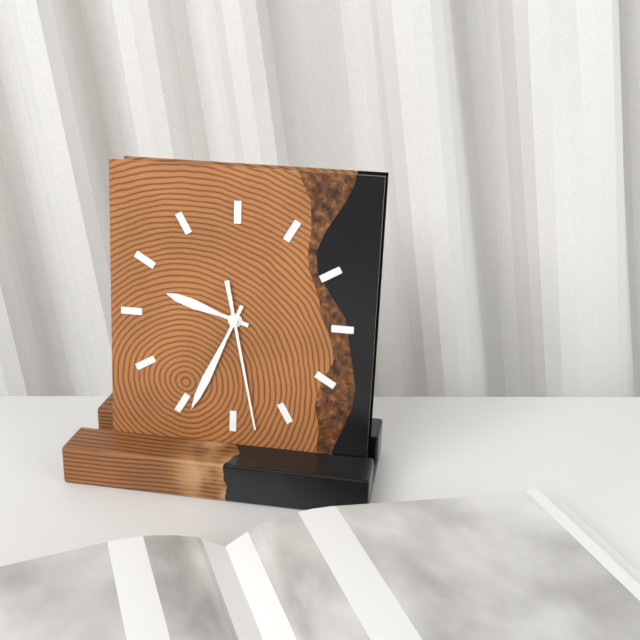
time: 9:34:28
